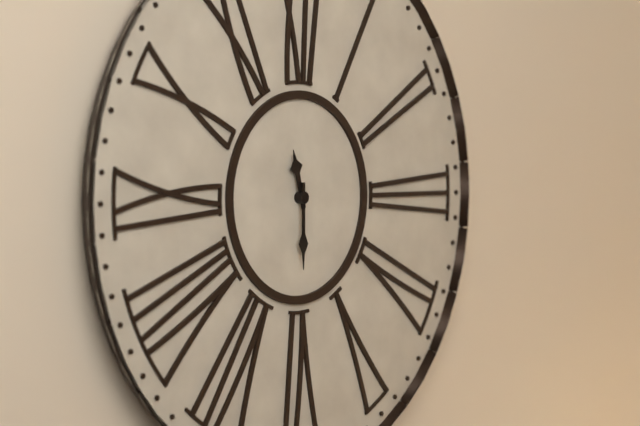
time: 11:30
